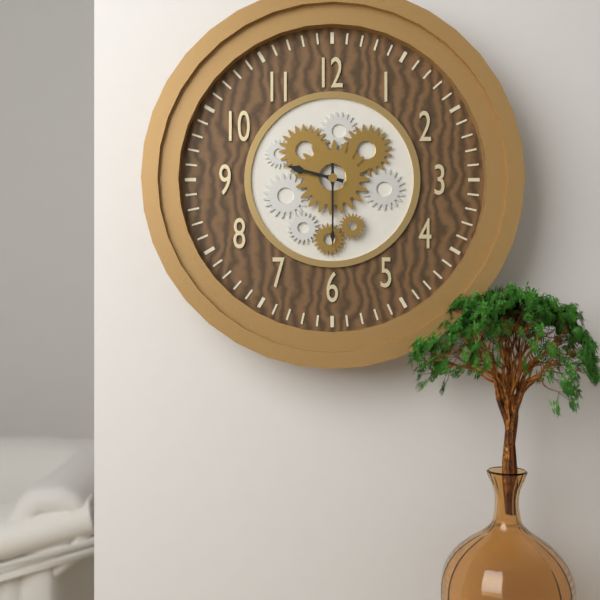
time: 9:30
